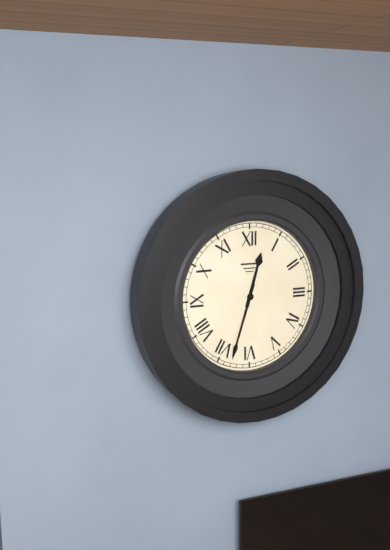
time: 12:33
